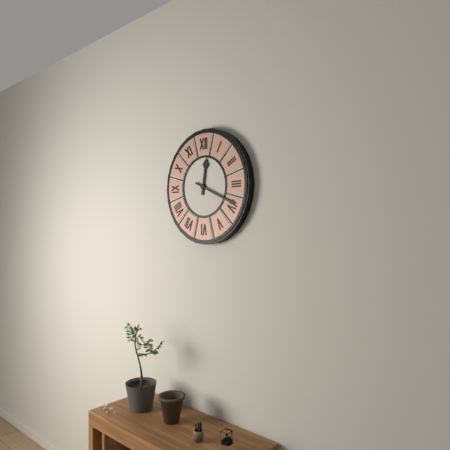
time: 12:19
